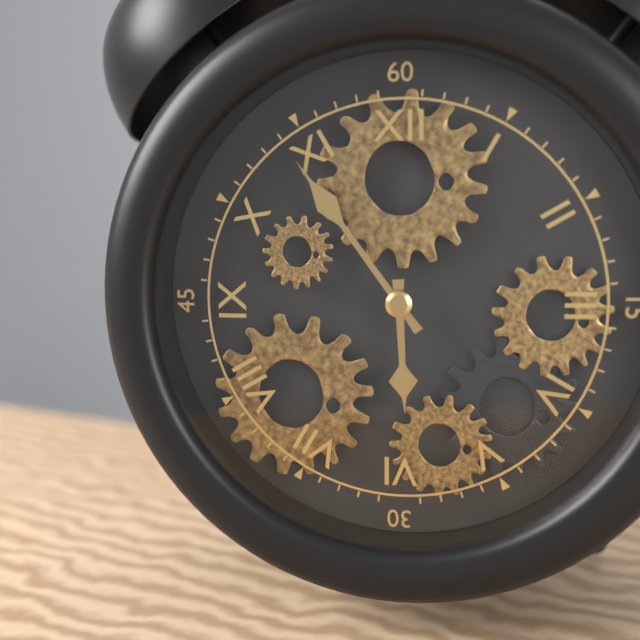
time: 5:54
